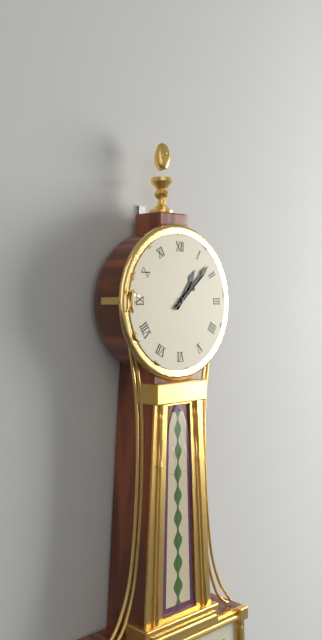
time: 1:08
